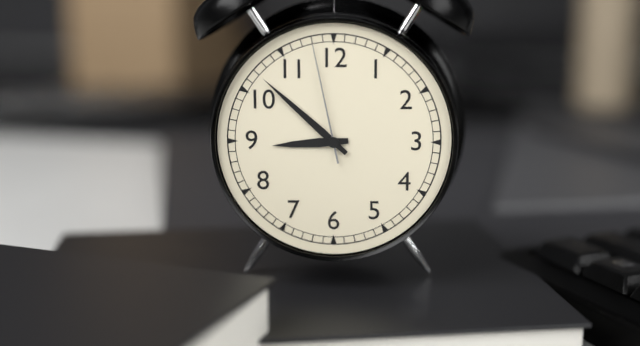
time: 8:52:58
